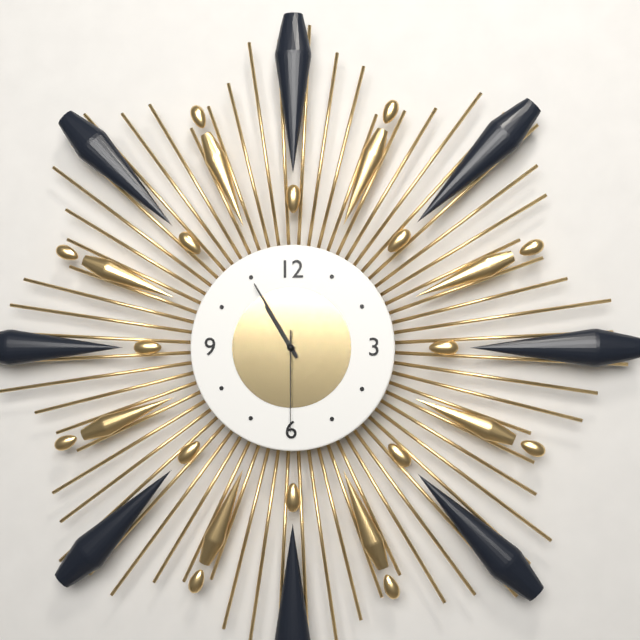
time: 10:55:30
